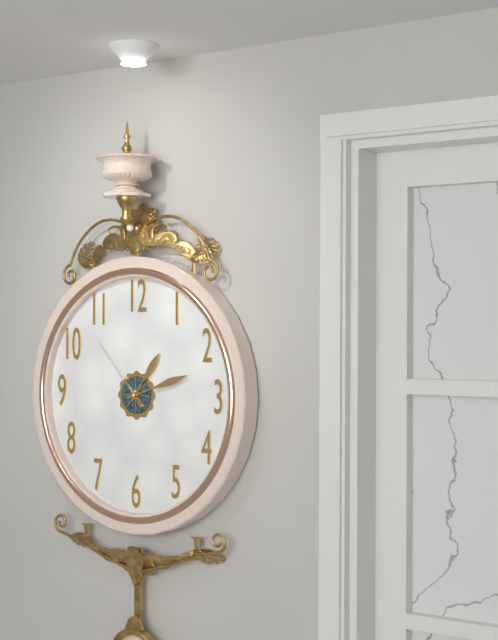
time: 1:12:53
